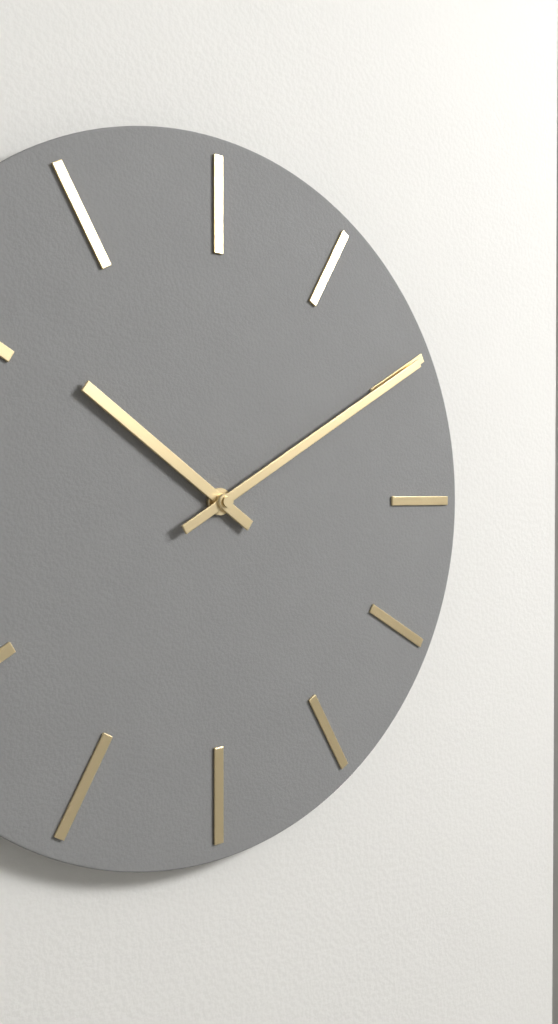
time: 10:10
